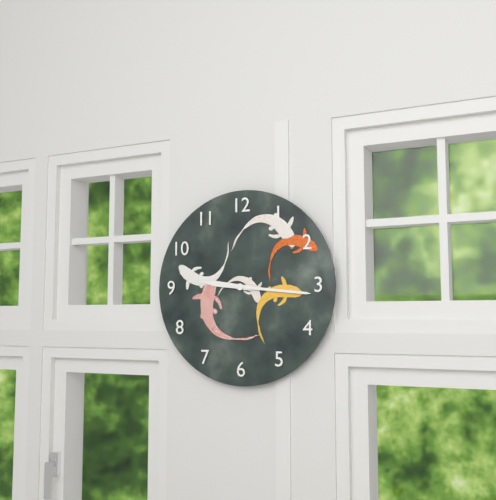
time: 9:16
